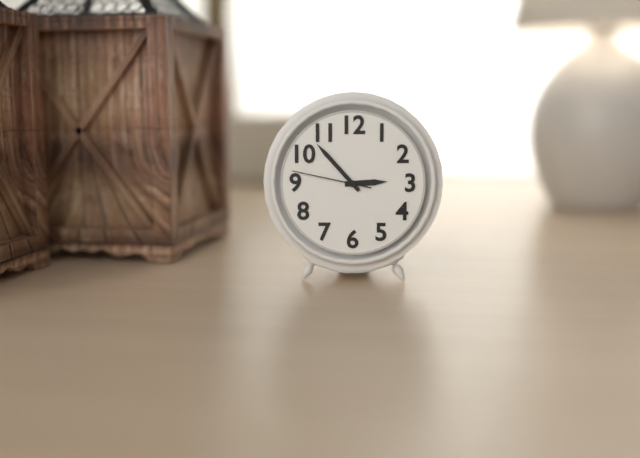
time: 2:53:47
